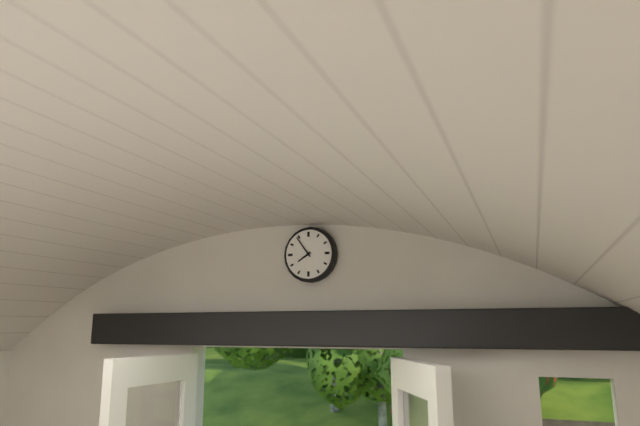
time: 7:54
